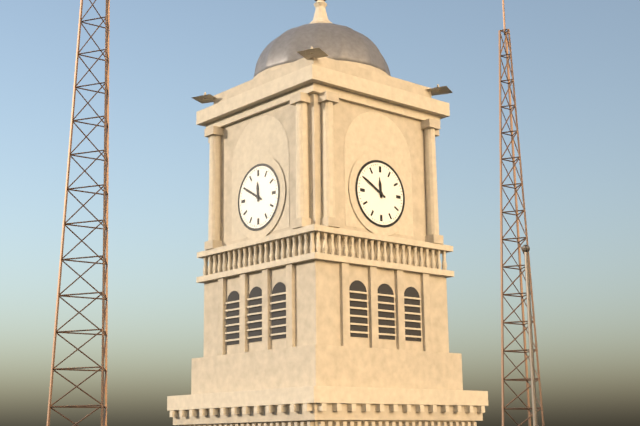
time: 11:50
